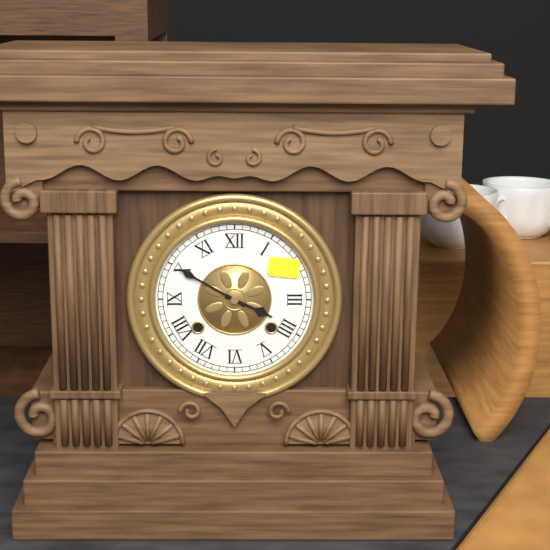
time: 3:50
